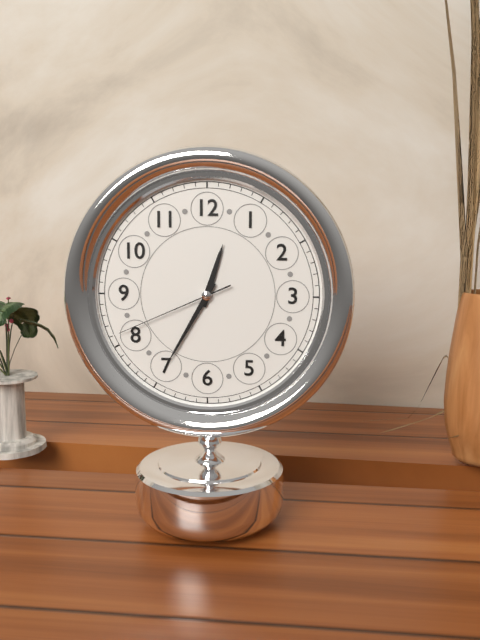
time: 12:35:41
